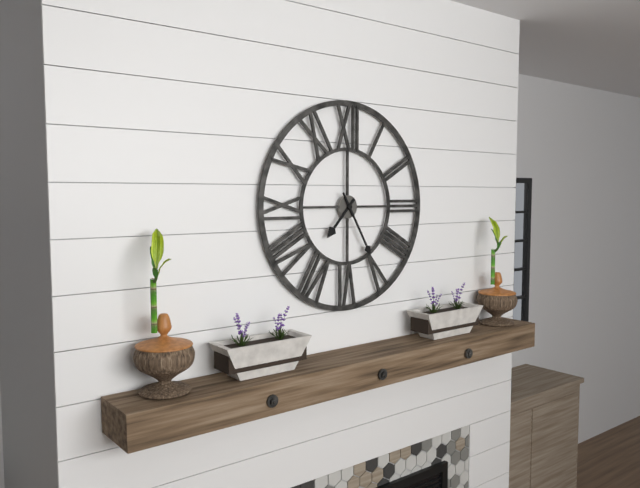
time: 7:25
